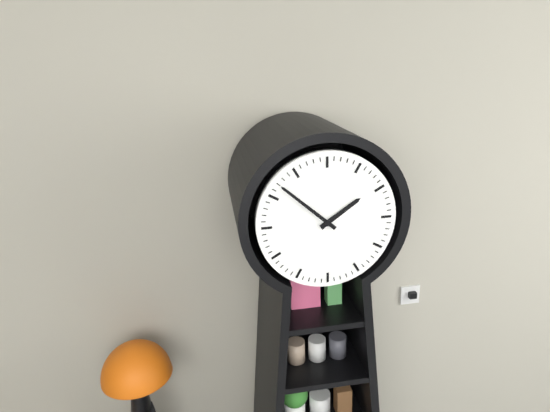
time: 1:52
